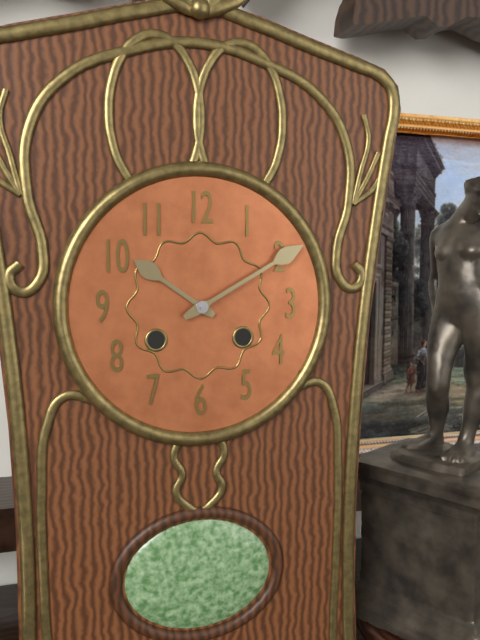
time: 10:10
